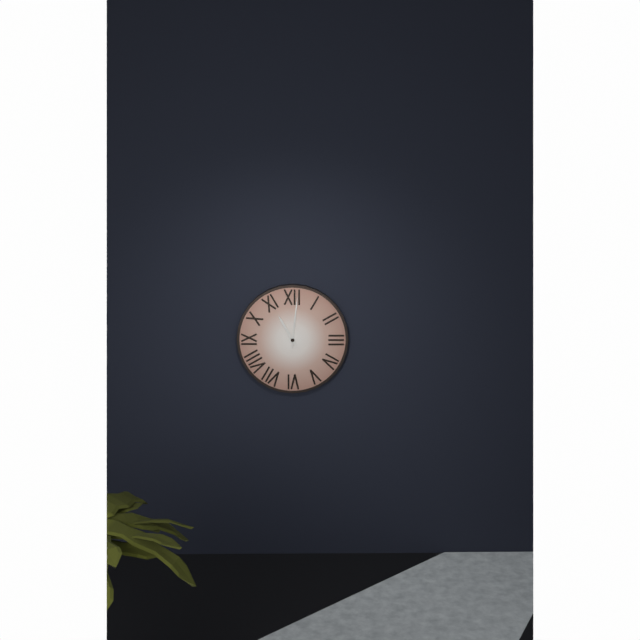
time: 11:01
